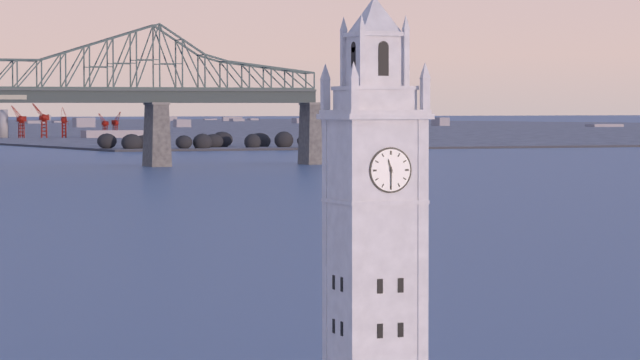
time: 11:30
